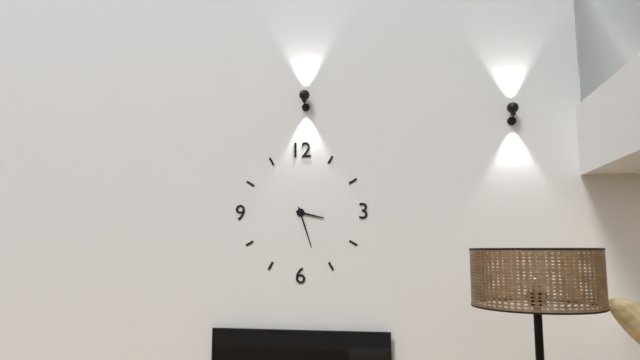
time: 3:27
